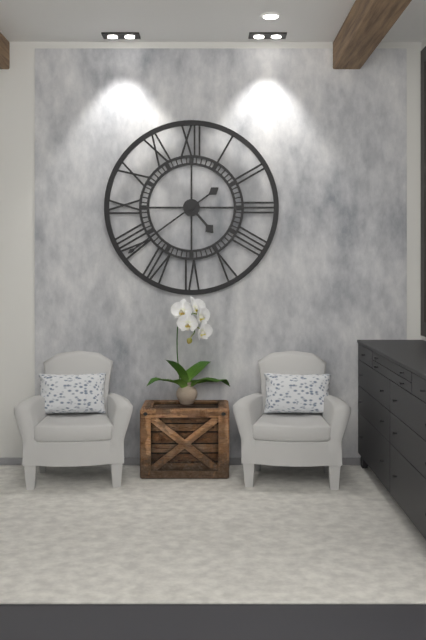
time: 4:39
